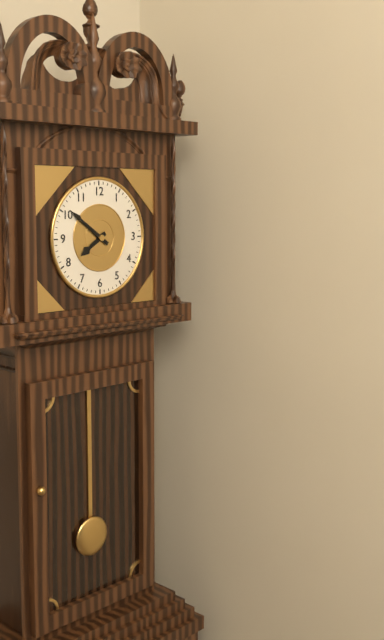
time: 7:51
